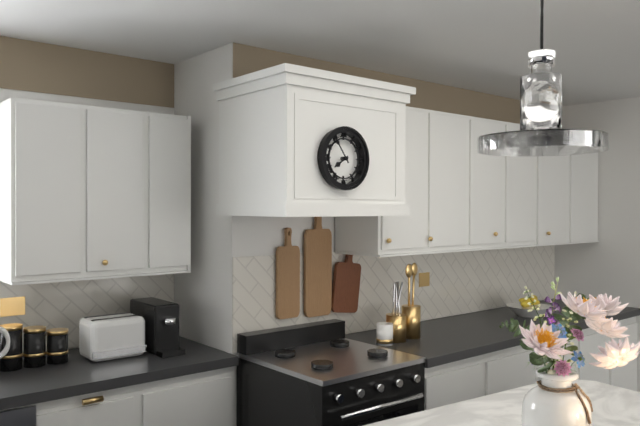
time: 7:54
